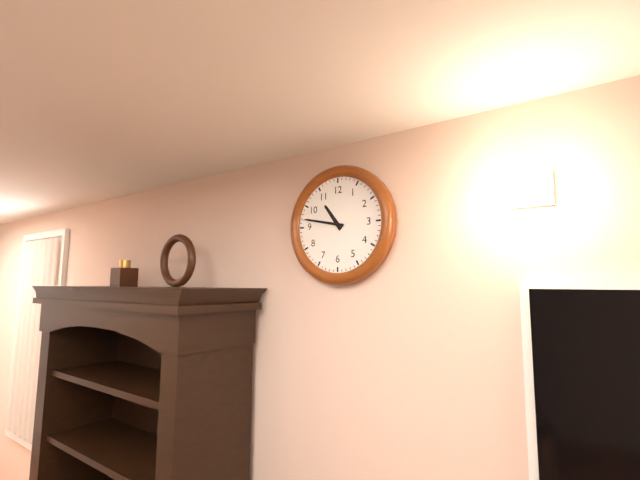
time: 10:47
